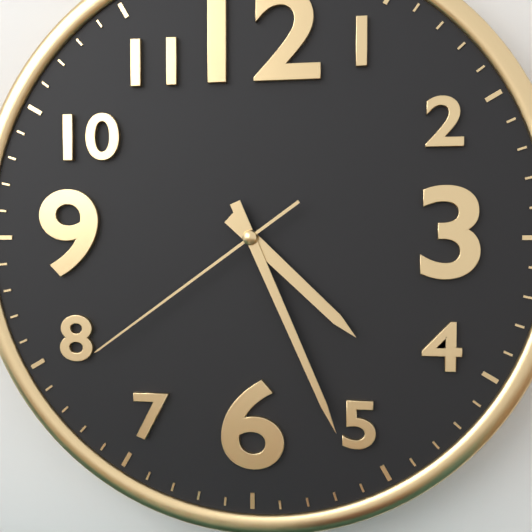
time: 4:26:39
